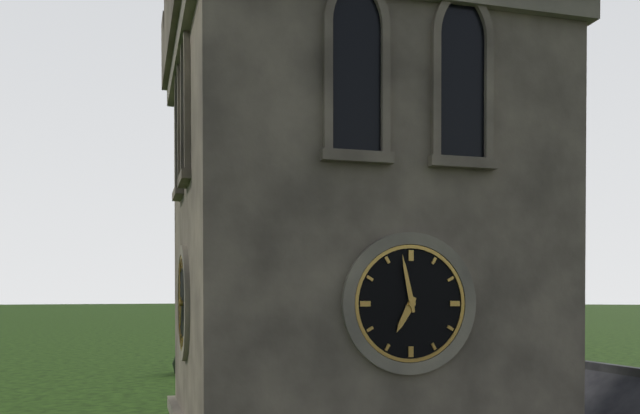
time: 6:58
